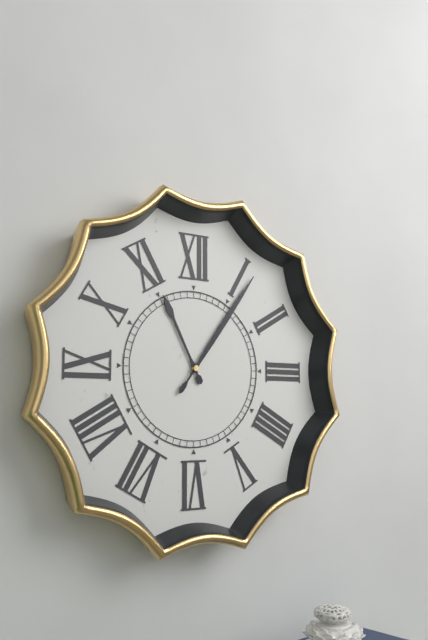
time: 11:06
